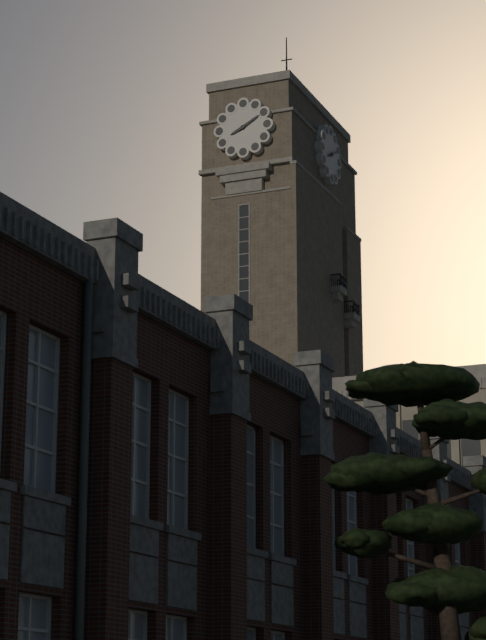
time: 8:10
